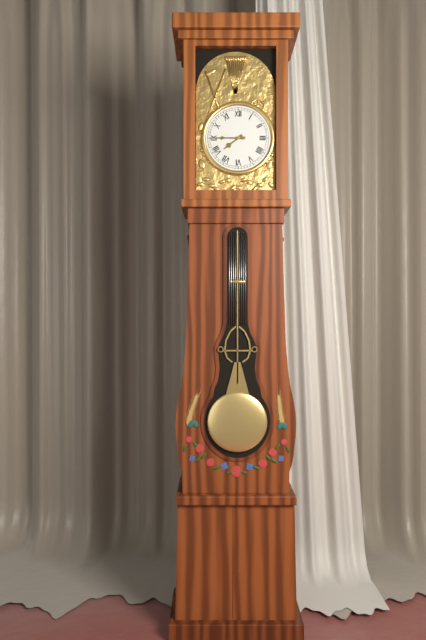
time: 7:45
